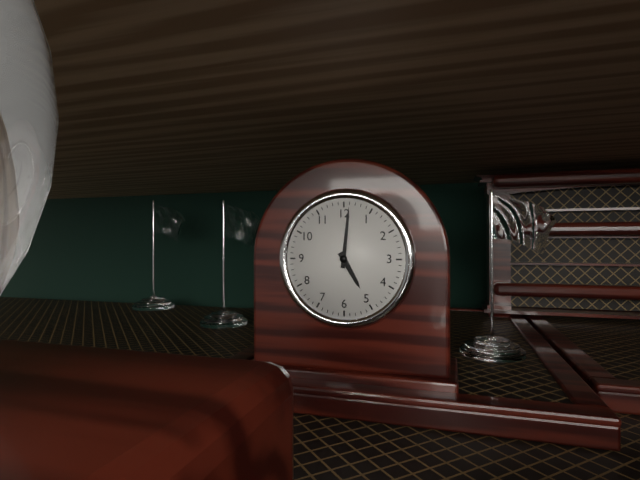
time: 5:01
